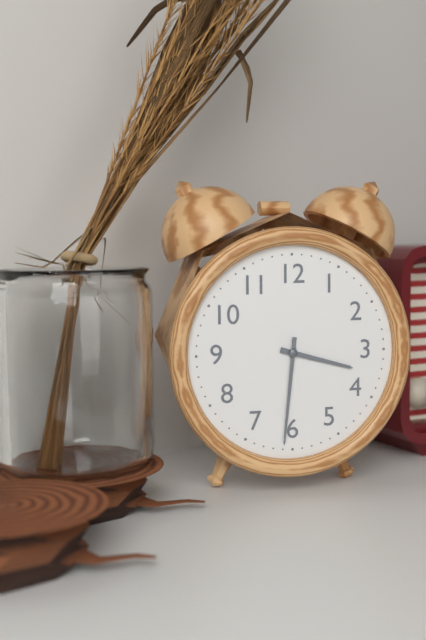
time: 3:31
